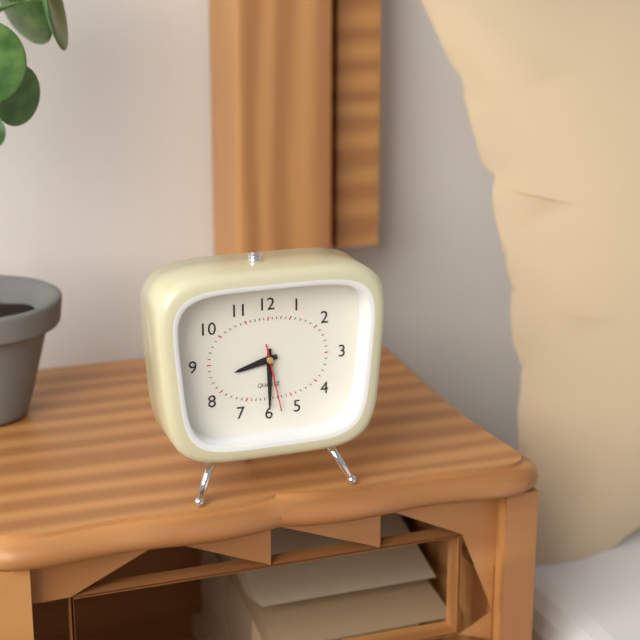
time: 8:30:28
